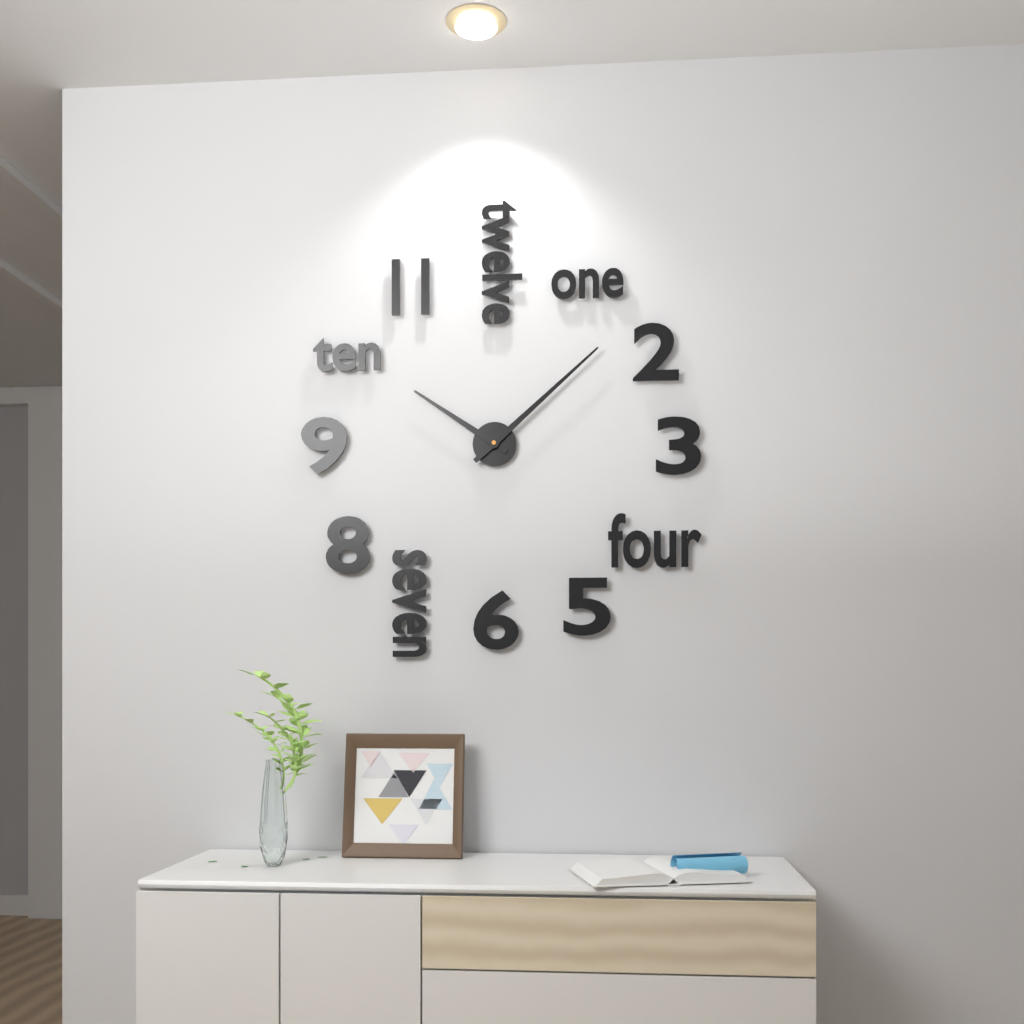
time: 10:08
